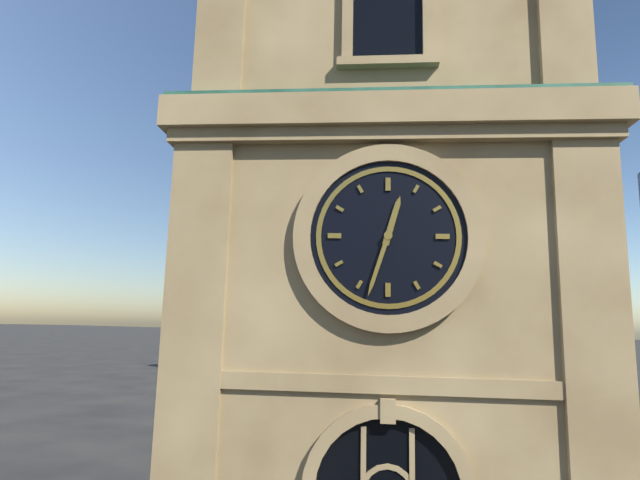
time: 12:33
